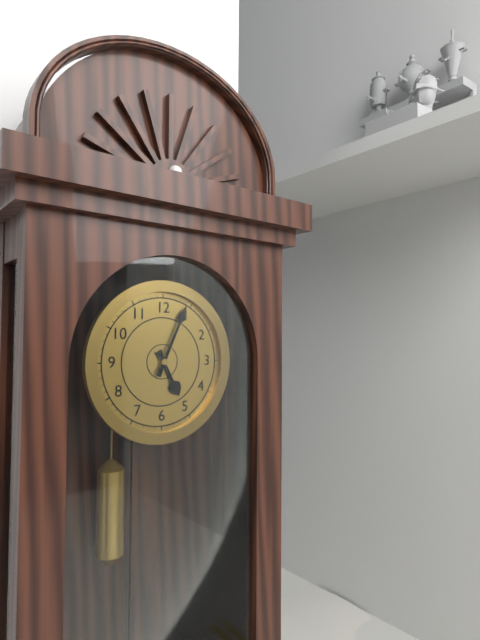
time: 5:04
